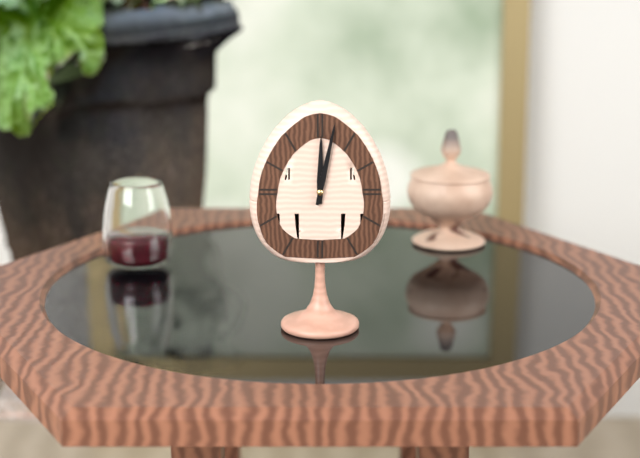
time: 12:02
